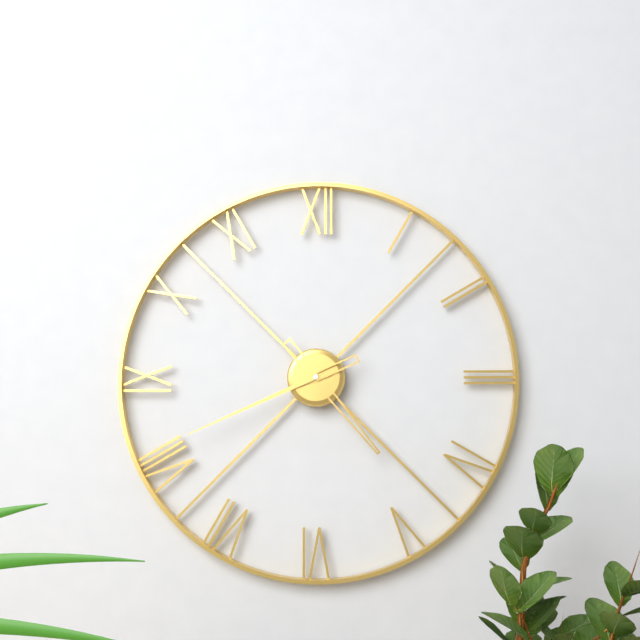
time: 4:41
